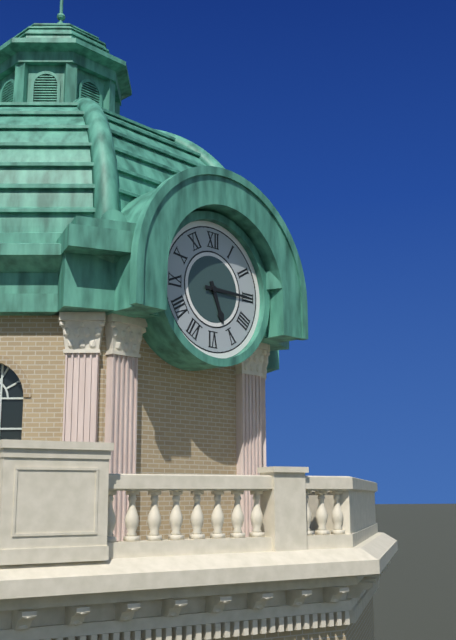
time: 5:15
